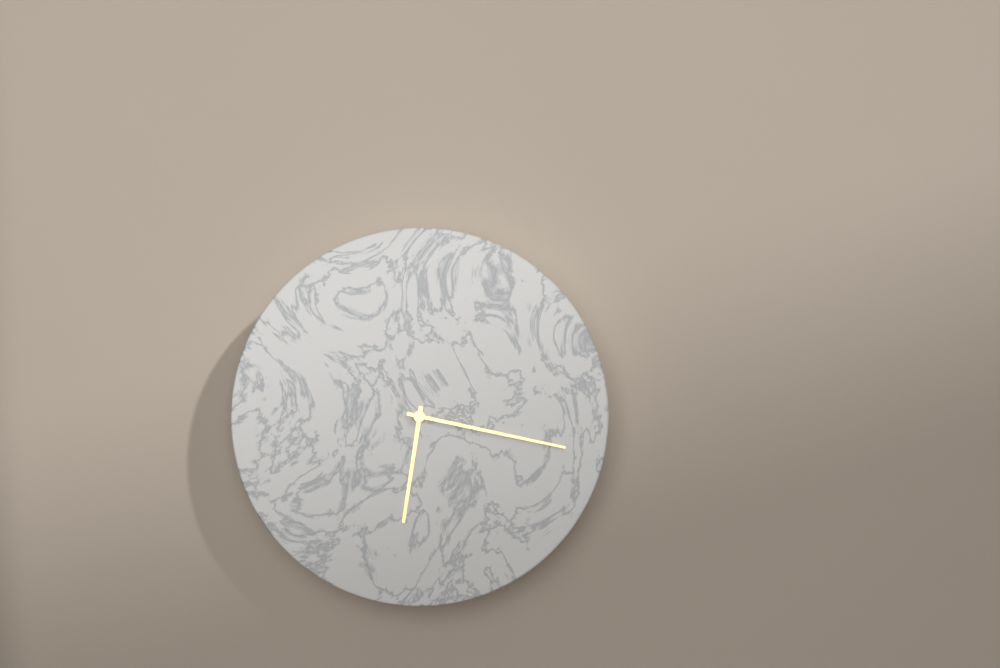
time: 6:17
